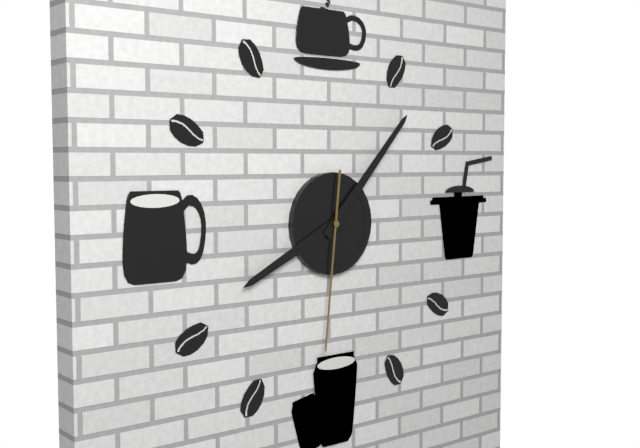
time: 8:07:31
